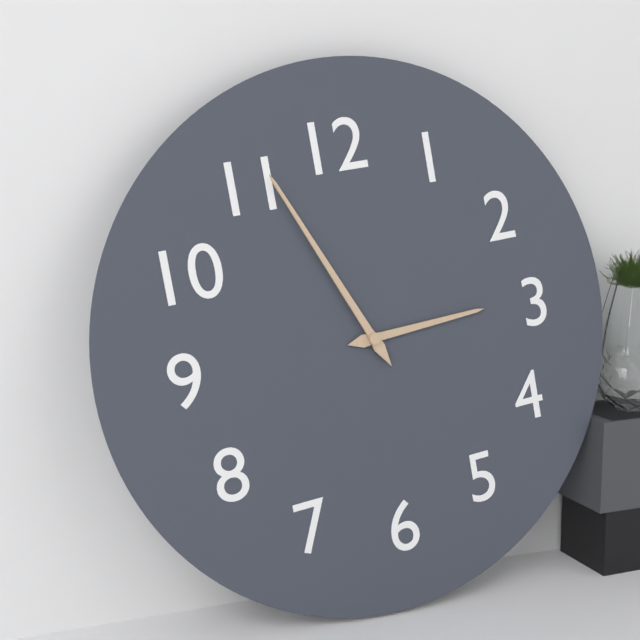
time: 2:56
